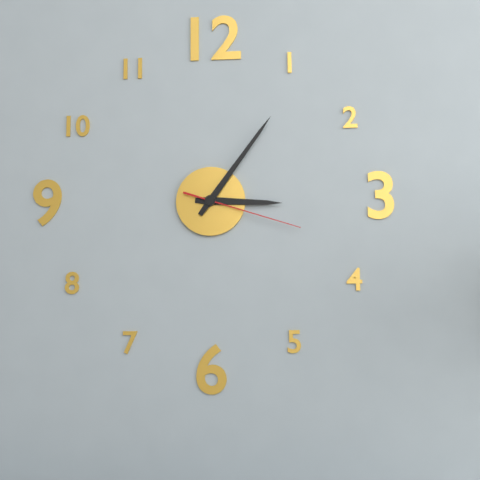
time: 3:06:18
